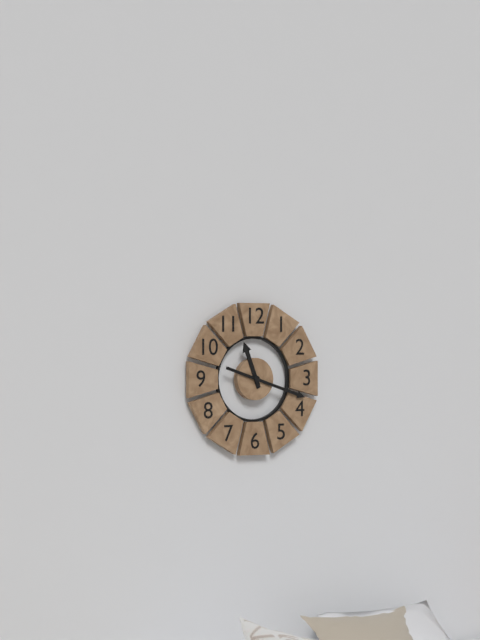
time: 11:18
